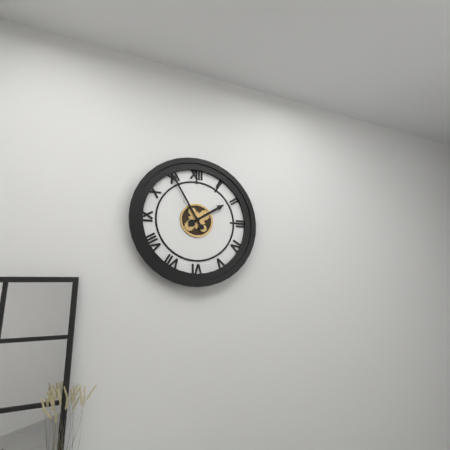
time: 1:55
